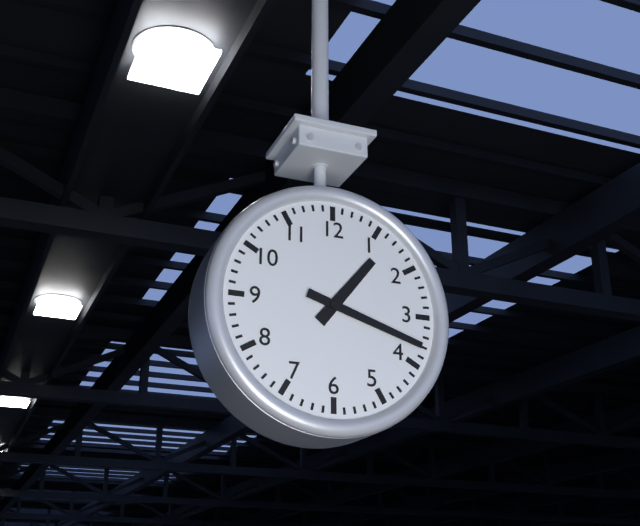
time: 1:18
